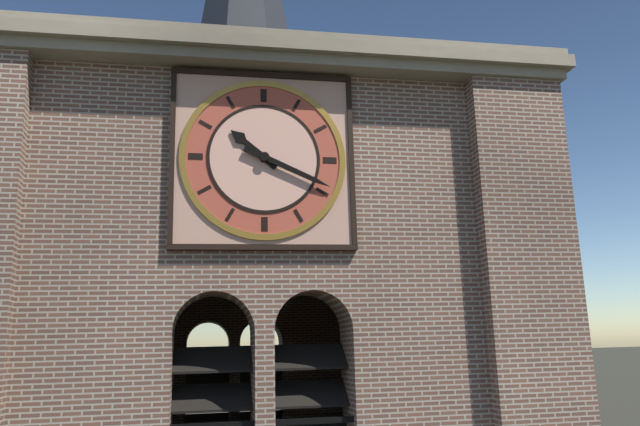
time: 10:19
